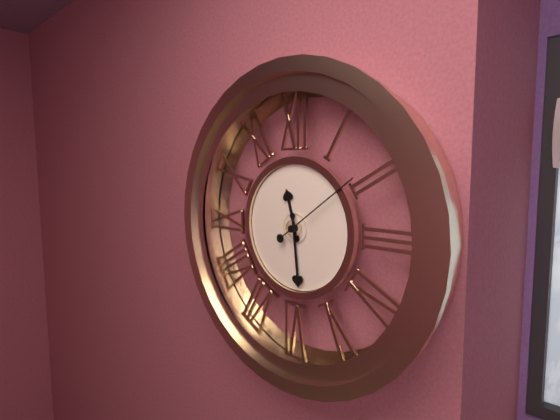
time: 11:29:09
